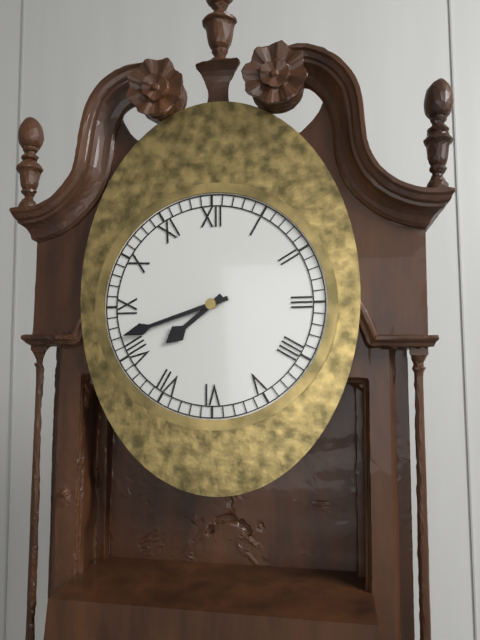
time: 7:42
